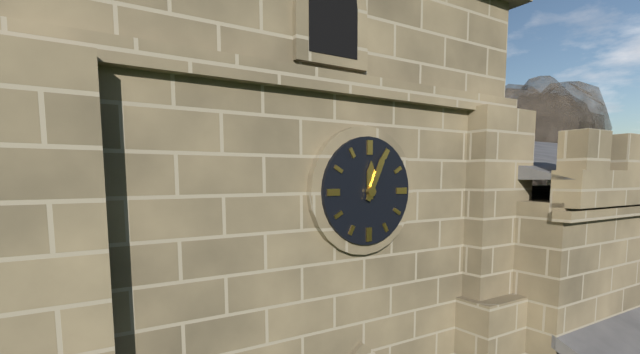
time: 12:04
